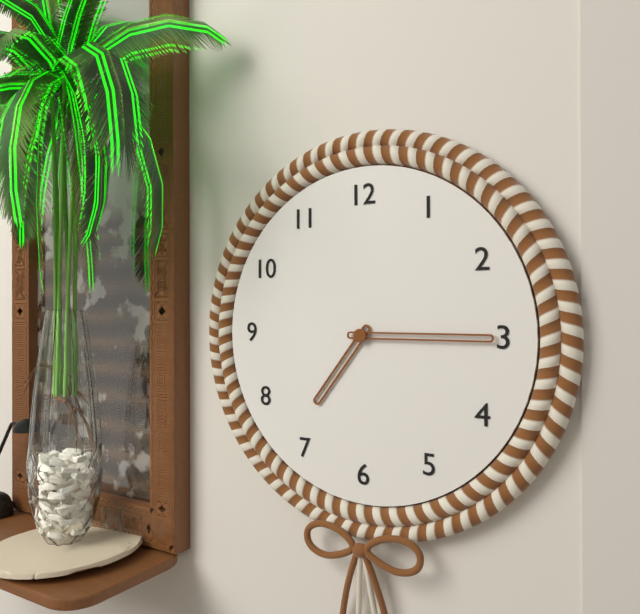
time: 7:15
